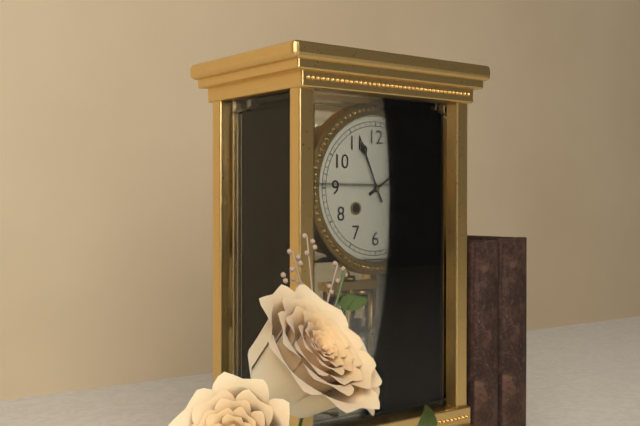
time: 1:56
